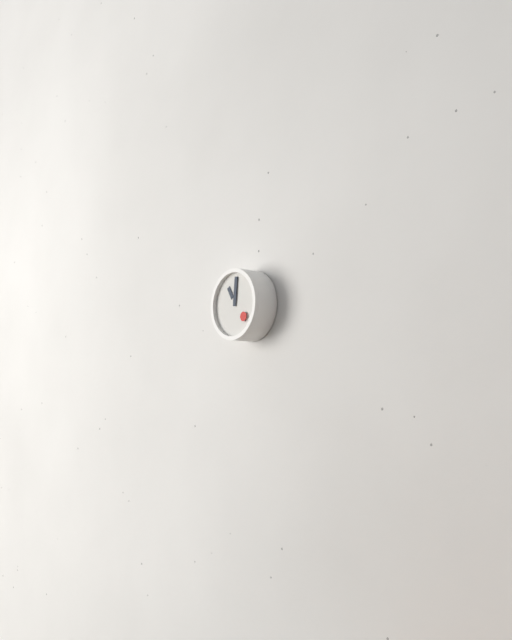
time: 11:01
